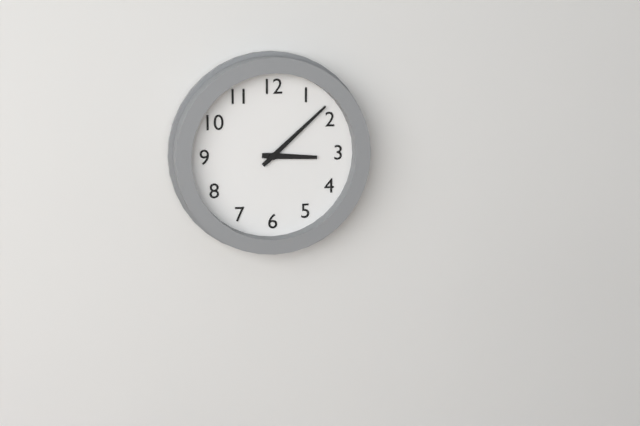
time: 3:08
